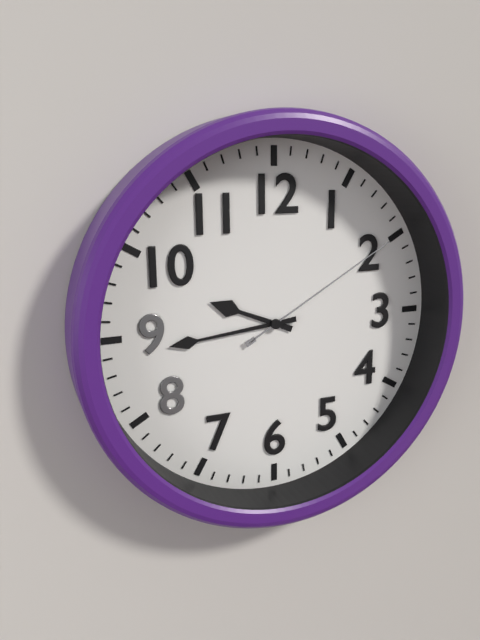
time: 9:44:10
